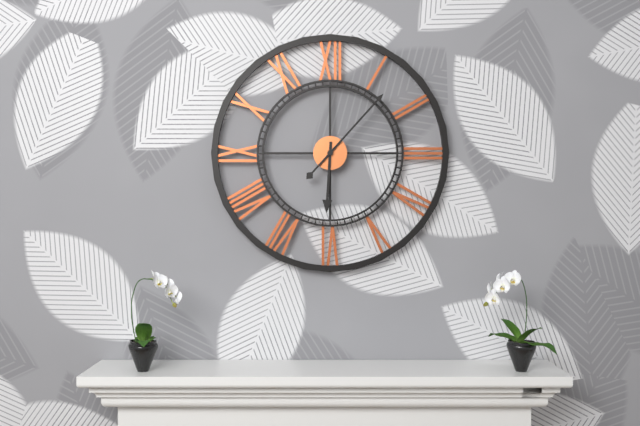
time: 6:07
